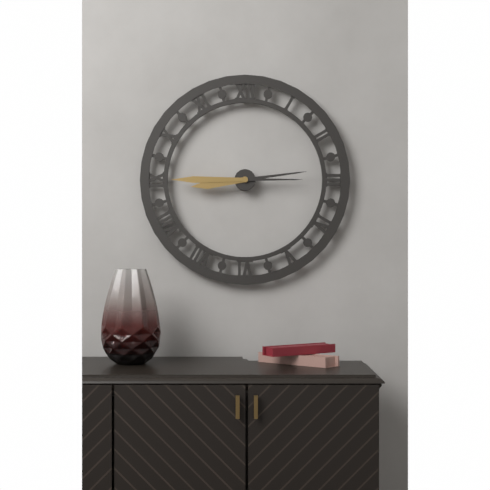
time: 8:45
